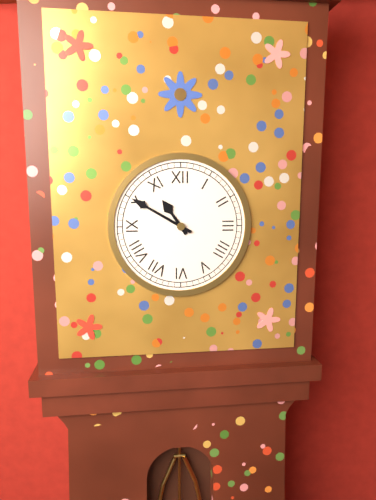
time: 10:50
